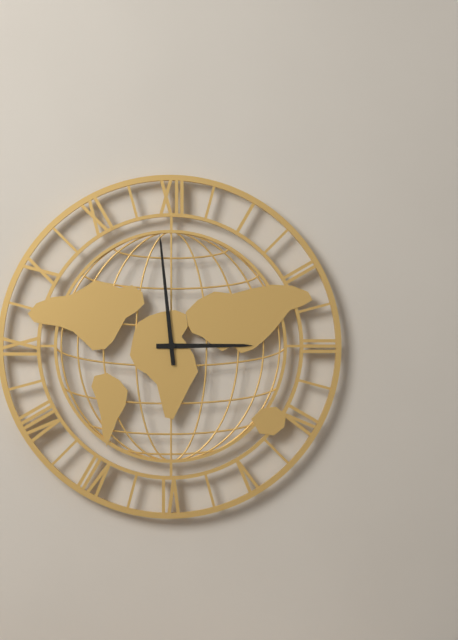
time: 2:59
